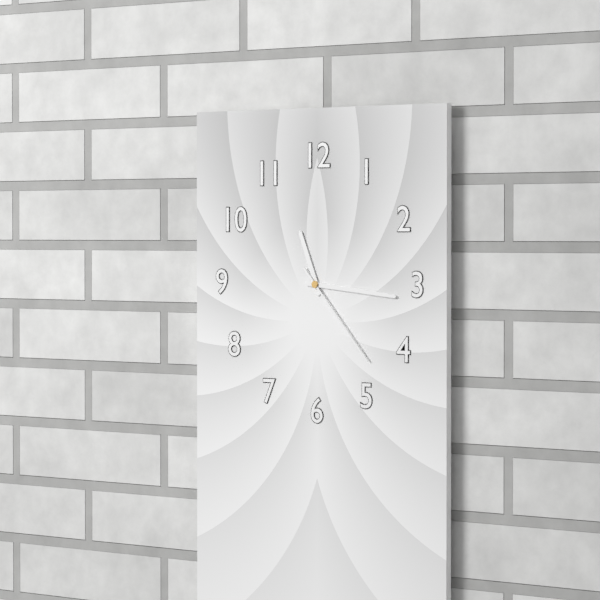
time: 11:16:23
